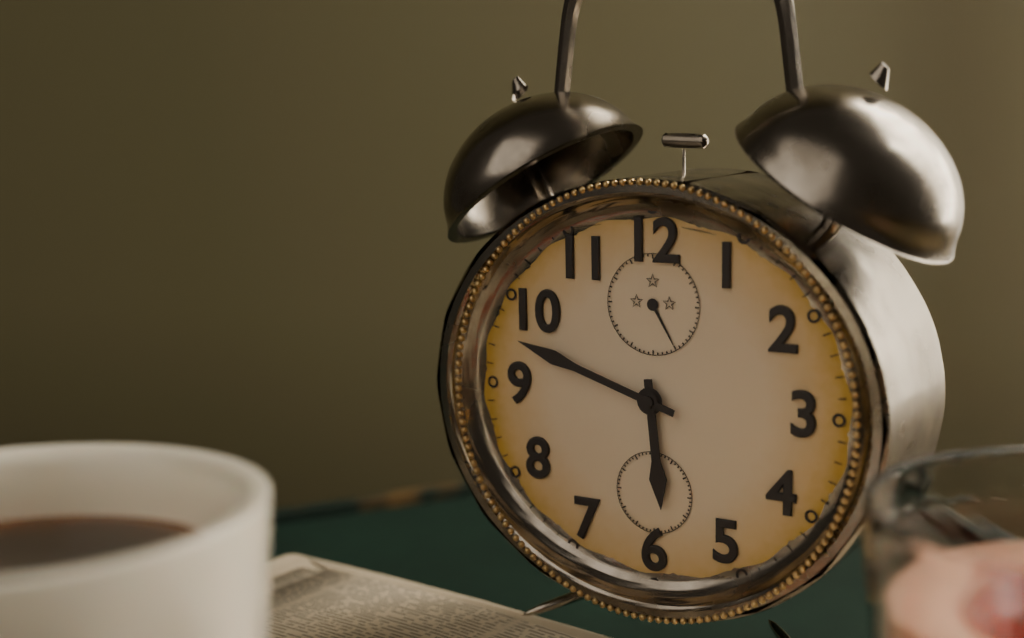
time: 5:48
